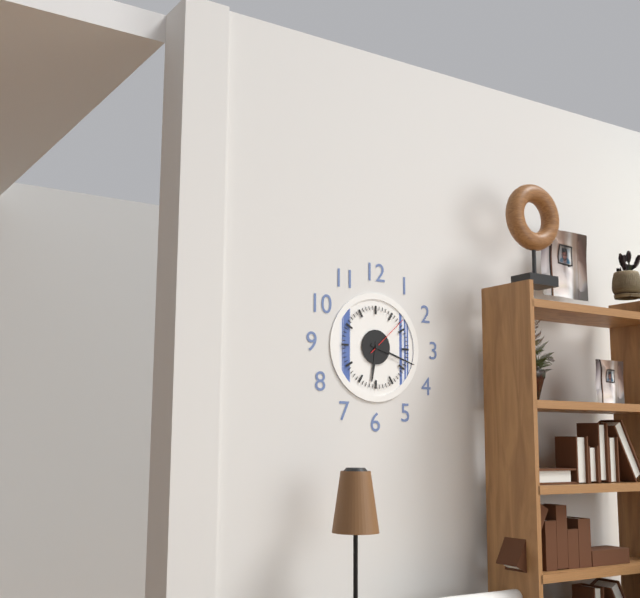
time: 6:18
